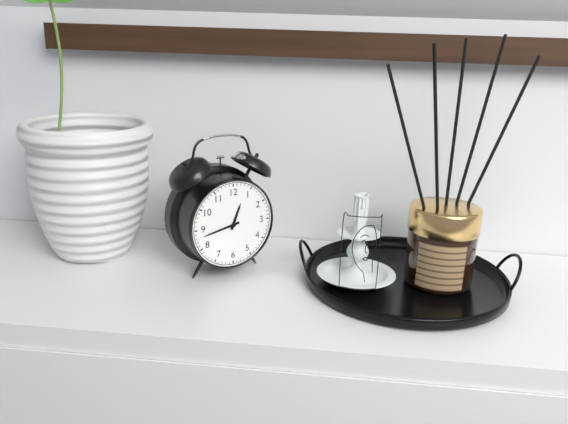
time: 12:43
